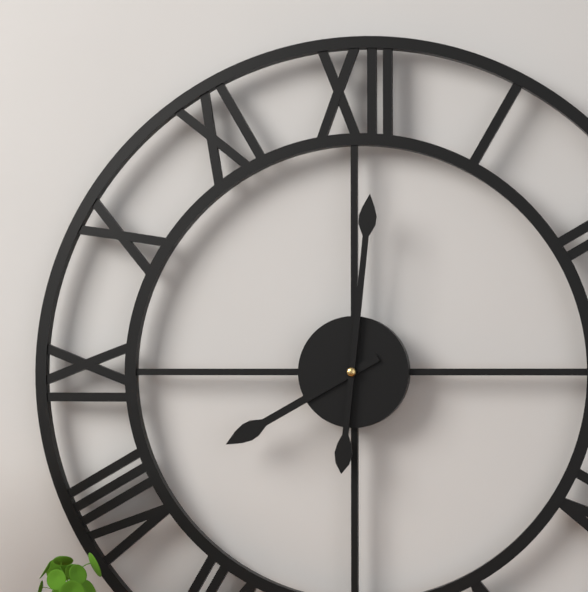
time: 8:01
